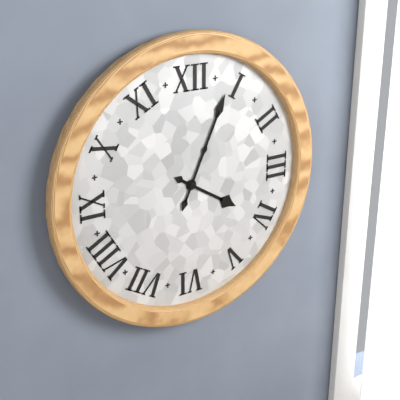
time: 4:04
